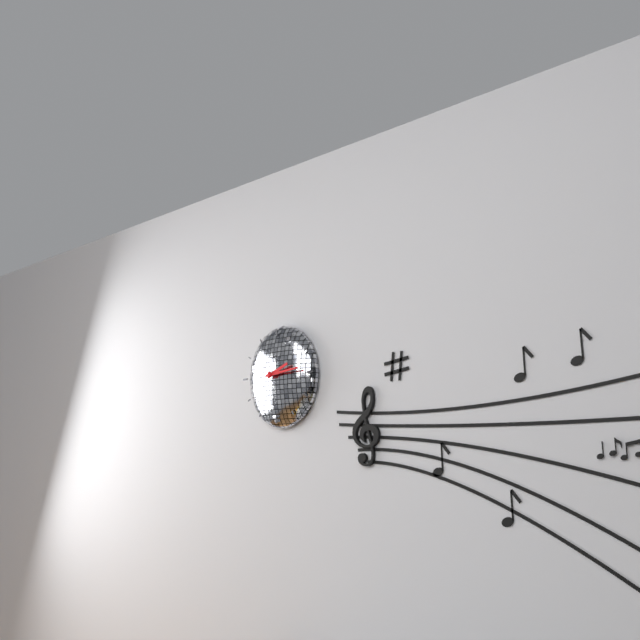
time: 2:14
